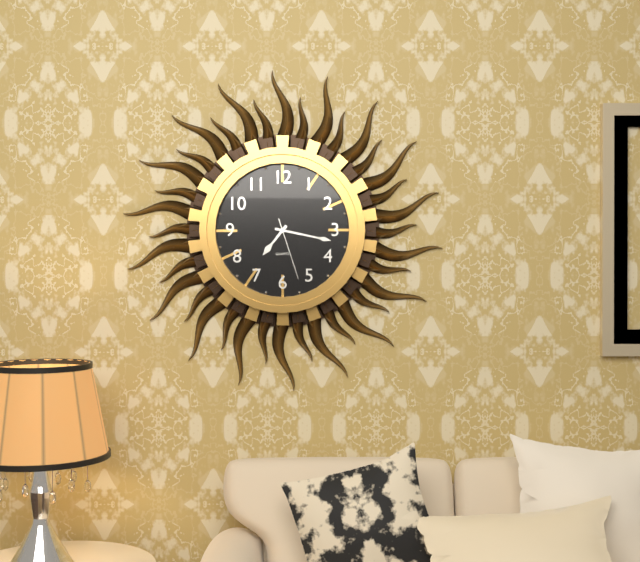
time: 7:17:27
